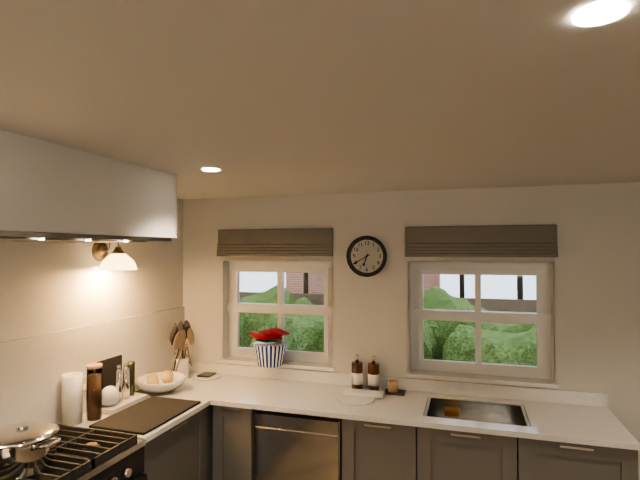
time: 6:40
